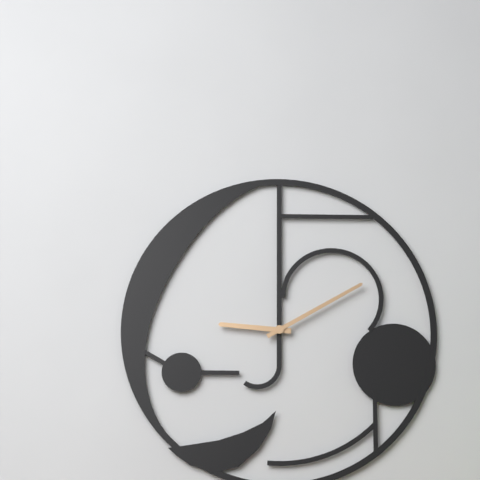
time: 9:10
